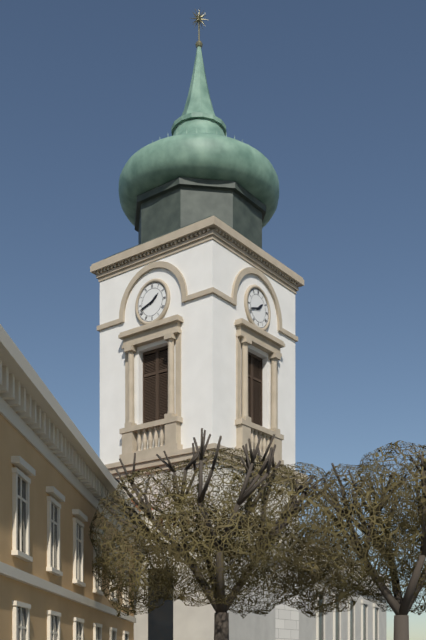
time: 1:42
